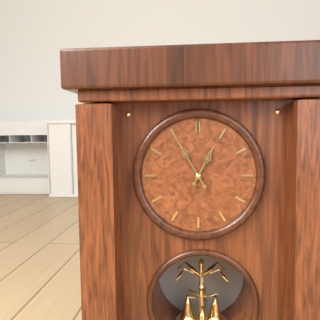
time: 12:55
